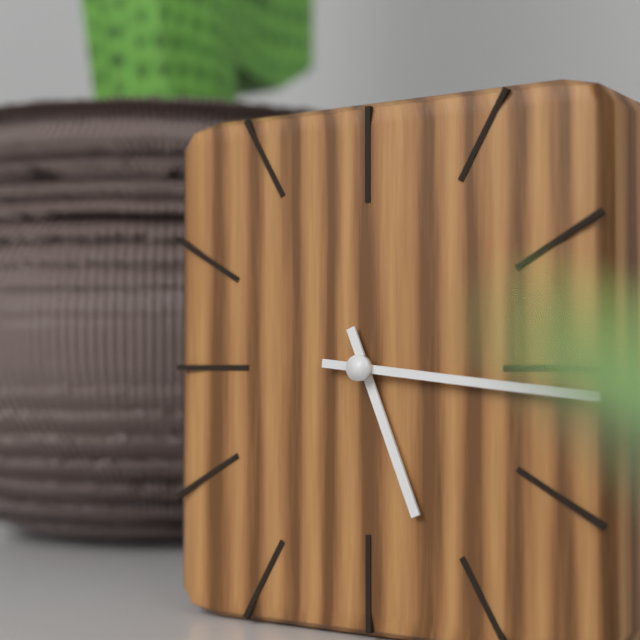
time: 5:16
